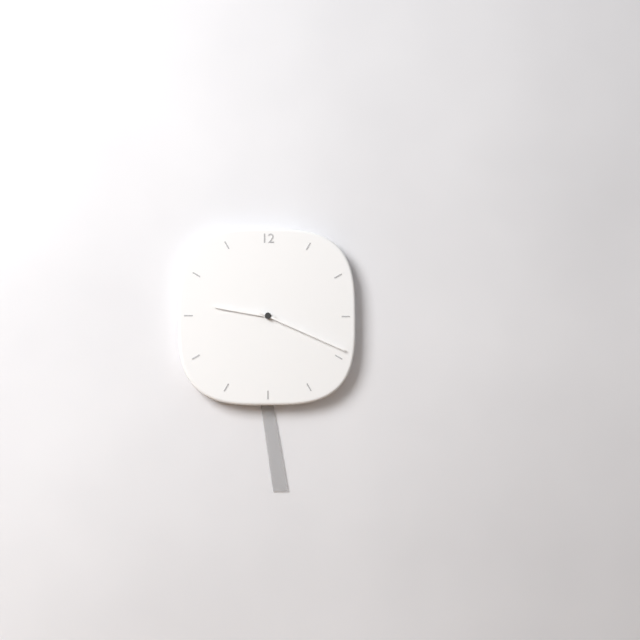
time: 9:19
